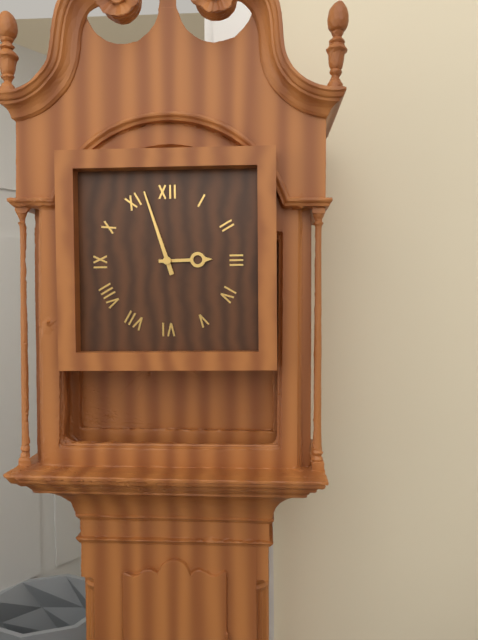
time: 2:57
